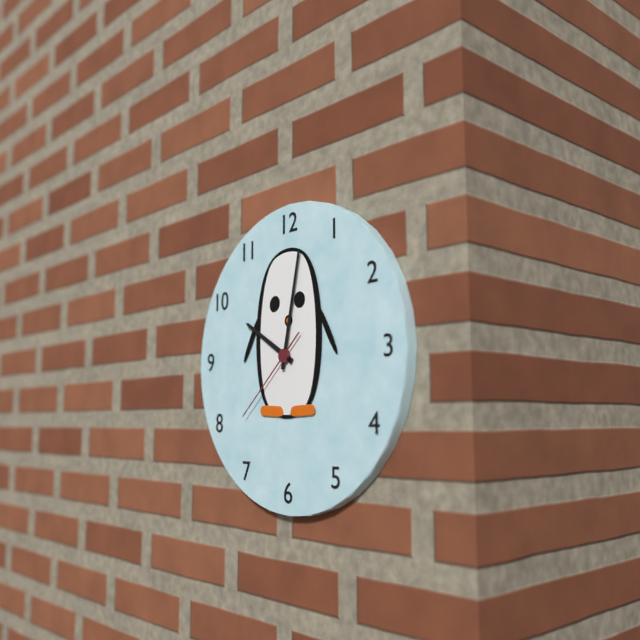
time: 10:02:38
